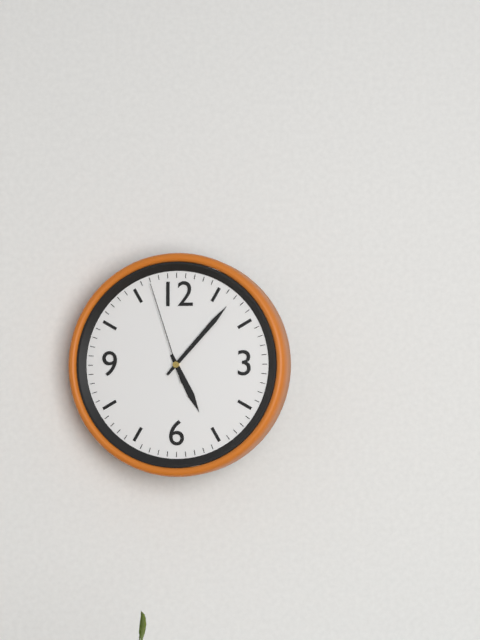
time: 5:07:57
